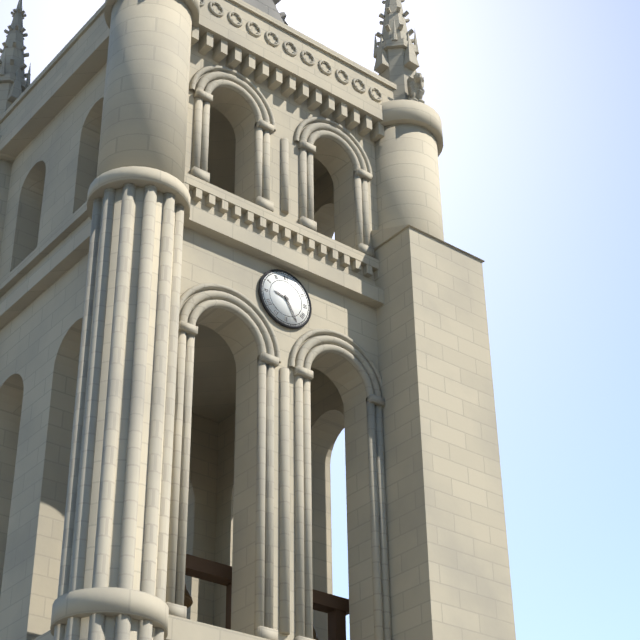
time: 9:25
